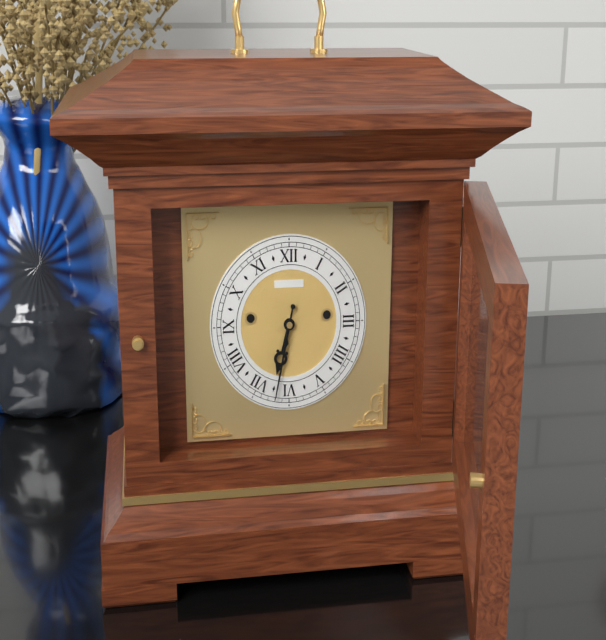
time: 6:32
